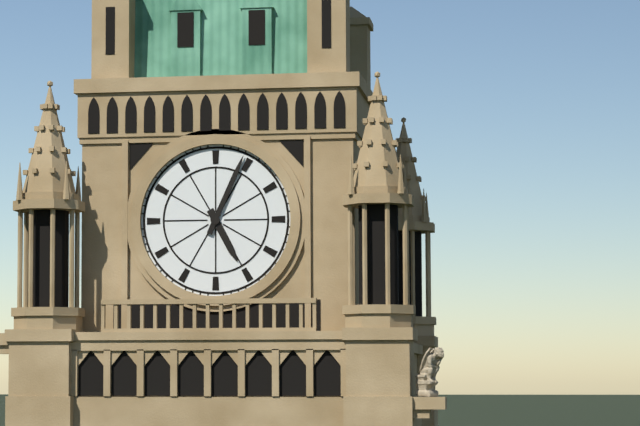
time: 5:04
